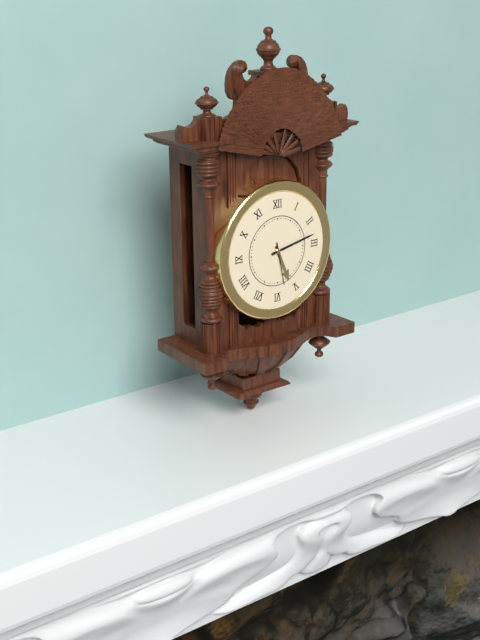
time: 5:13
